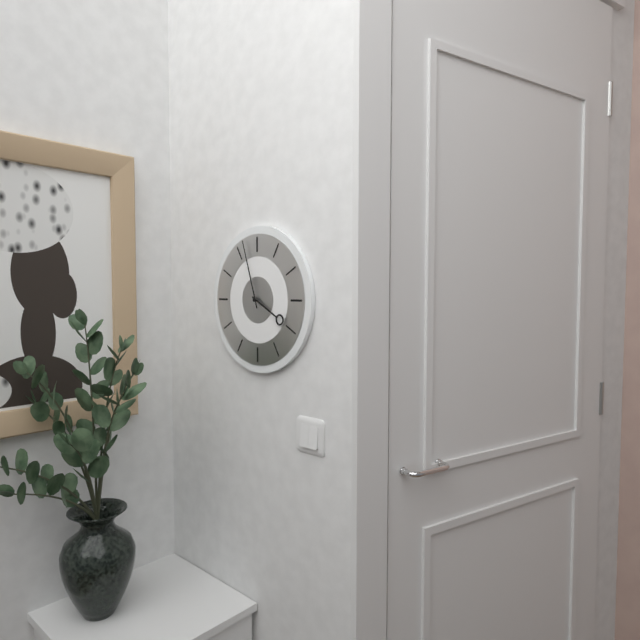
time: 3:57
